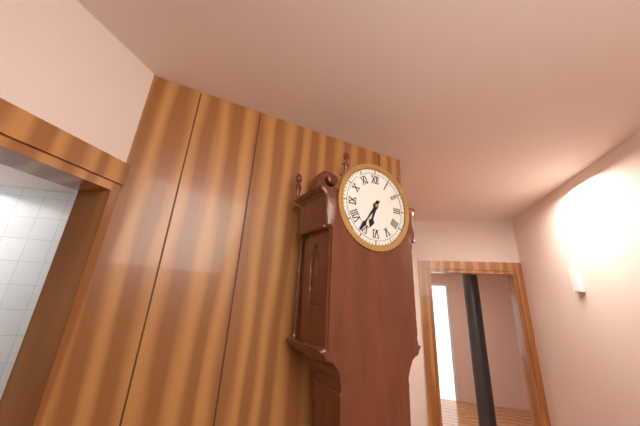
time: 6:36
